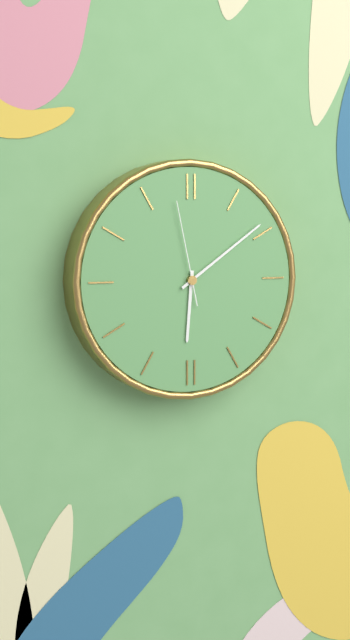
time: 6:09:58
